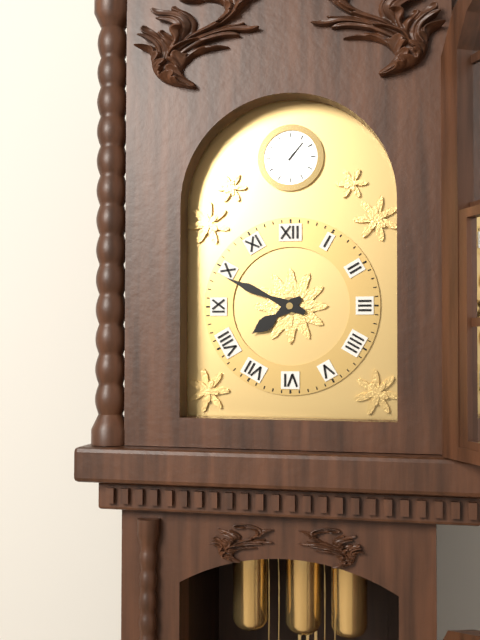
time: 7:49
